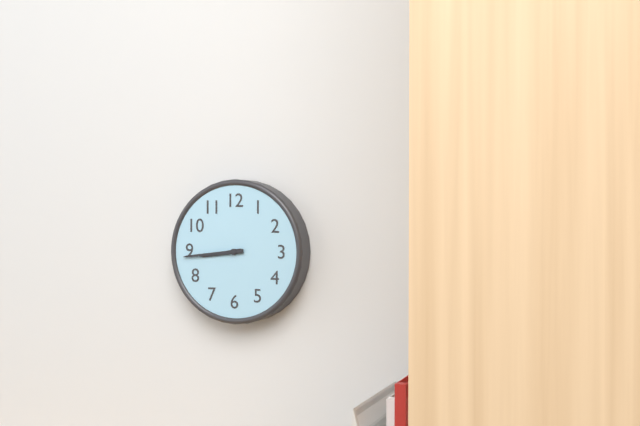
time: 8:44
